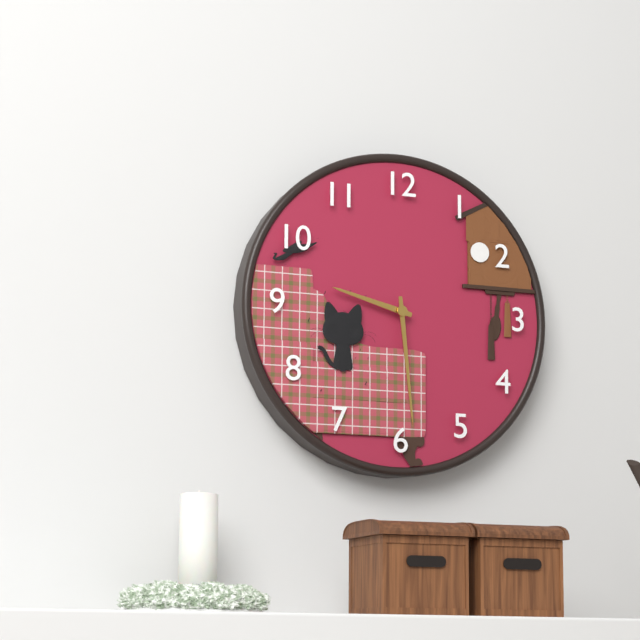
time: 9:29
